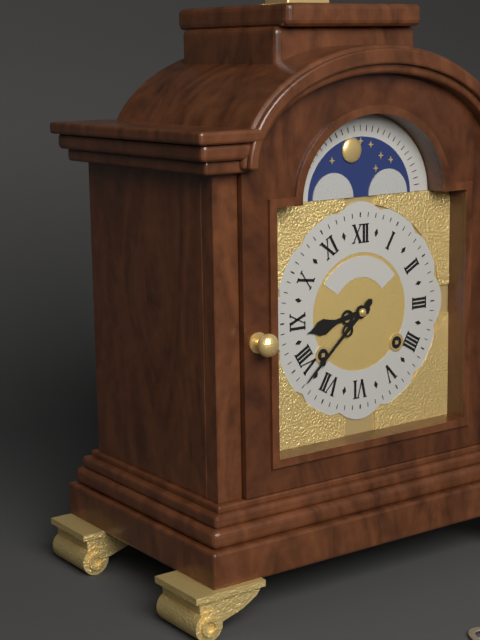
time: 8:38
